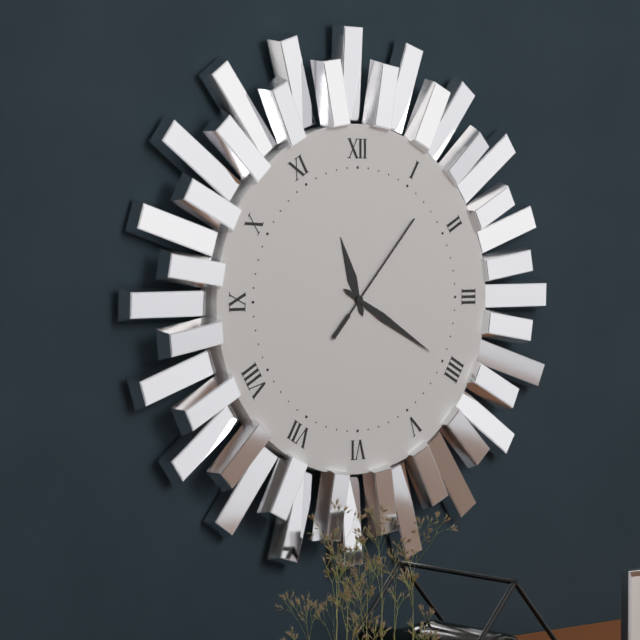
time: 11:20:07
